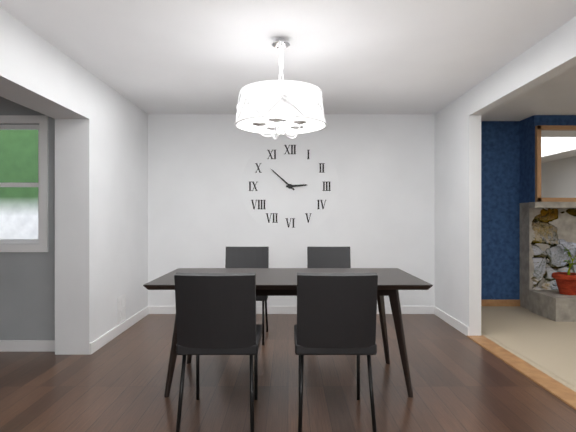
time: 2:52
